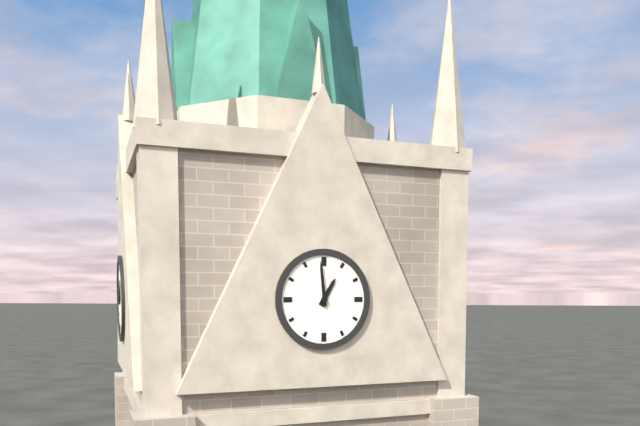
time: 12:59
